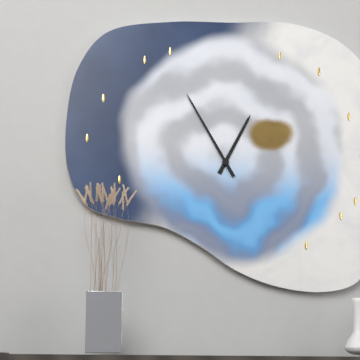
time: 12:55
